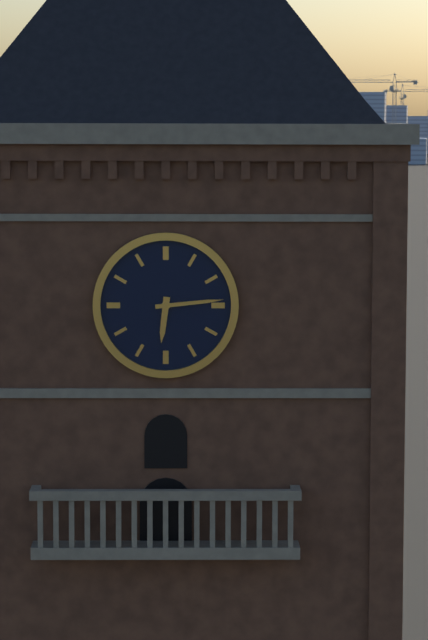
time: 6:14
